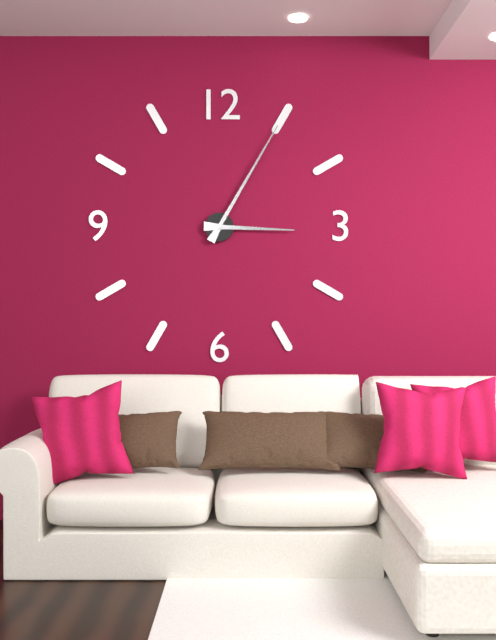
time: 3:05
